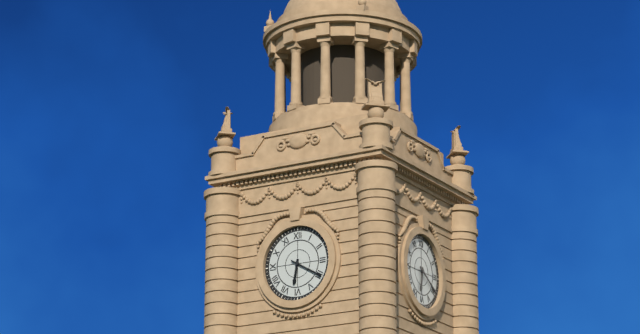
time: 6:20
